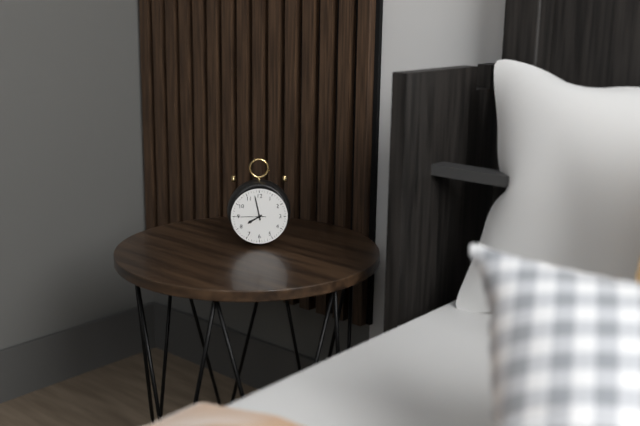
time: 7:58
